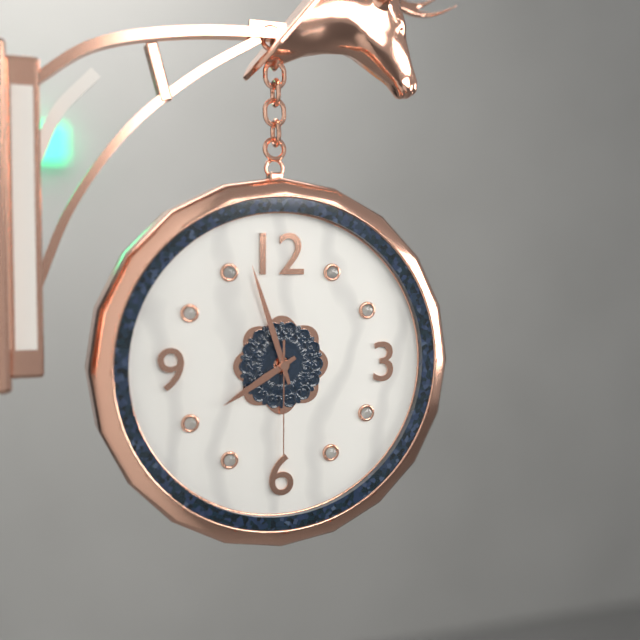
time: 7:57:30
